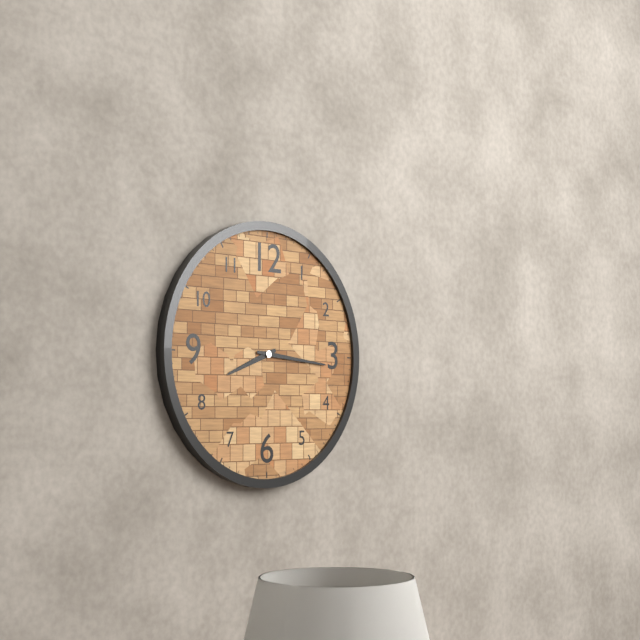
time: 8:16
